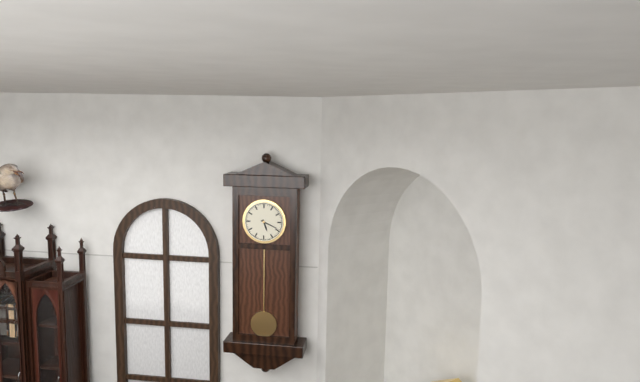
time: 5:19
